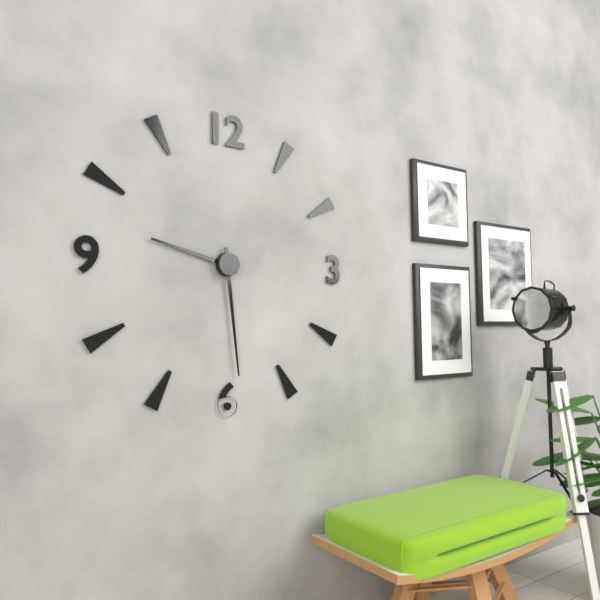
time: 9:29
